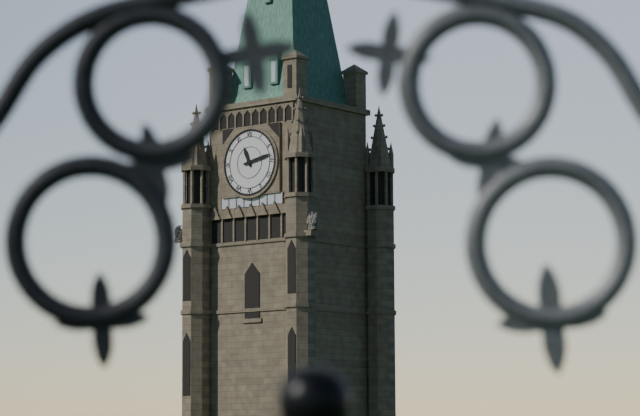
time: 11:13
